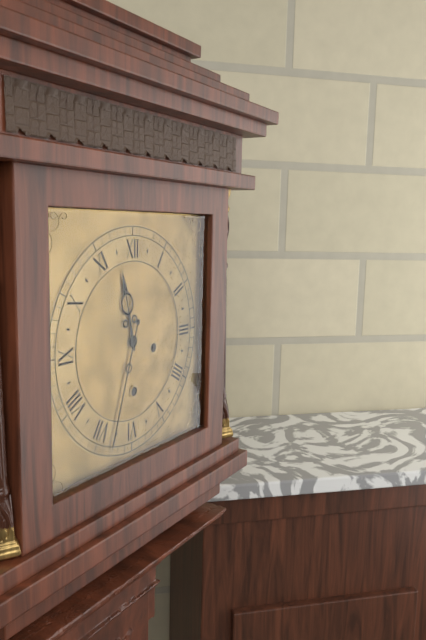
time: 11:33
